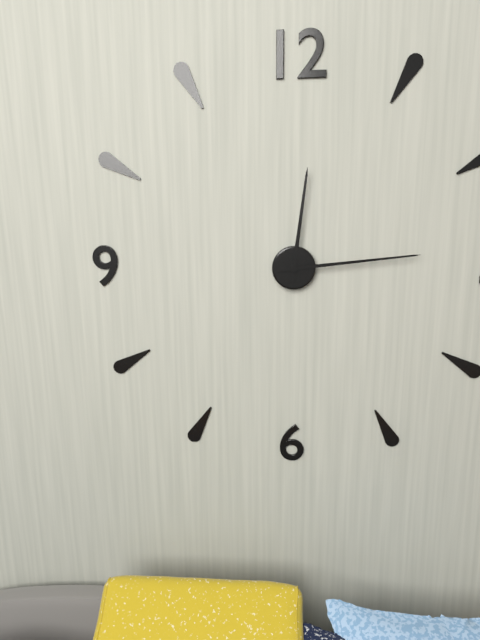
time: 12:14
